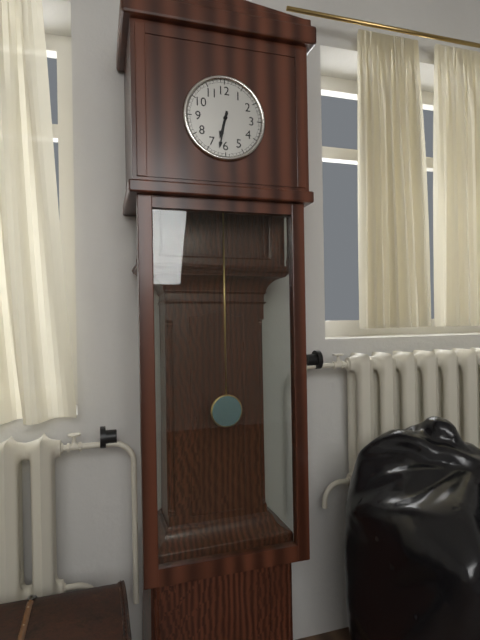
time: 6:32
